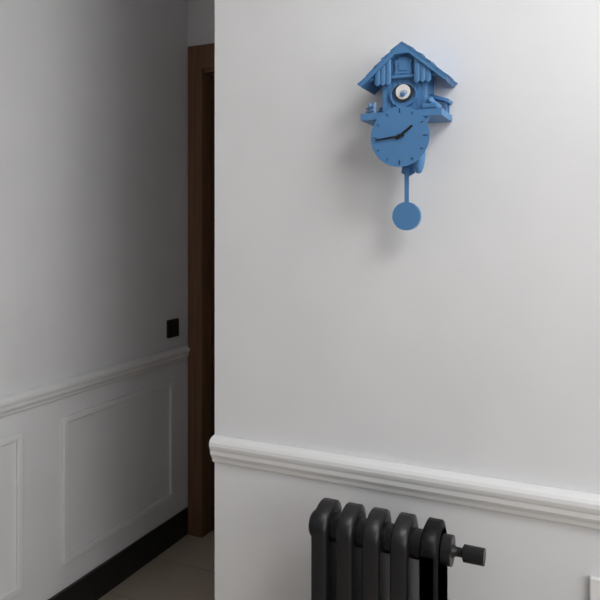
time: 1:44
